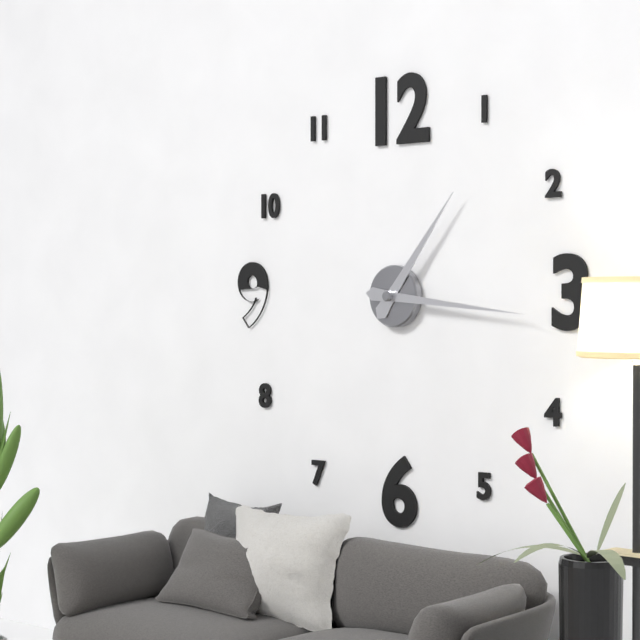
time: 1:16
